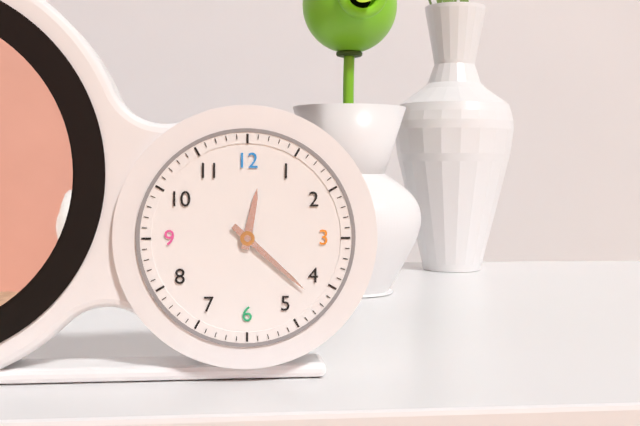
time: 12:22
